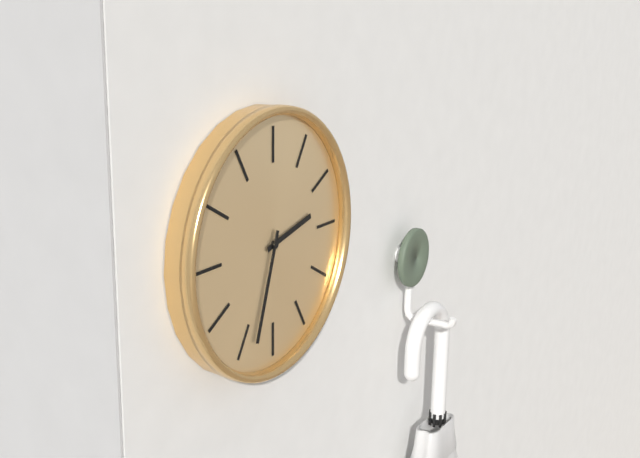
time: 2:33
